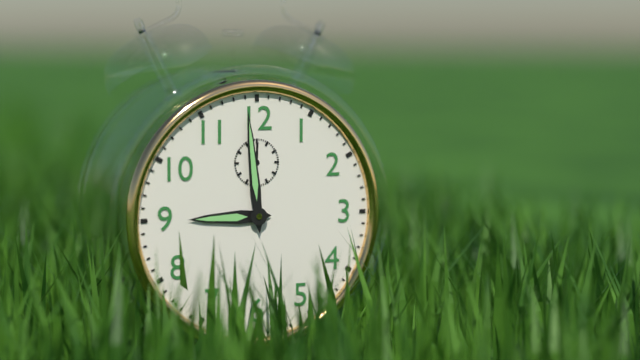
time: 8:59
